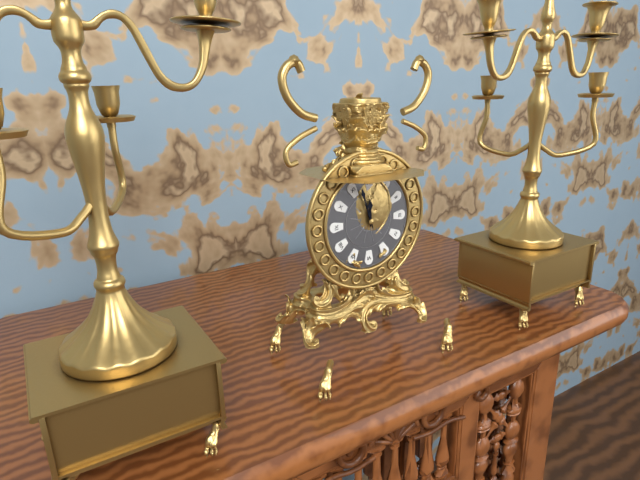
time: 11:57
